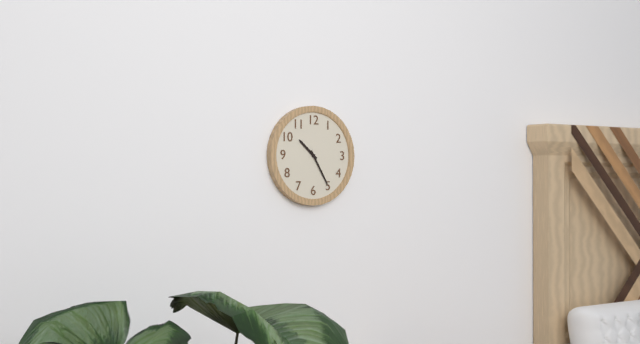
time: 10:25
